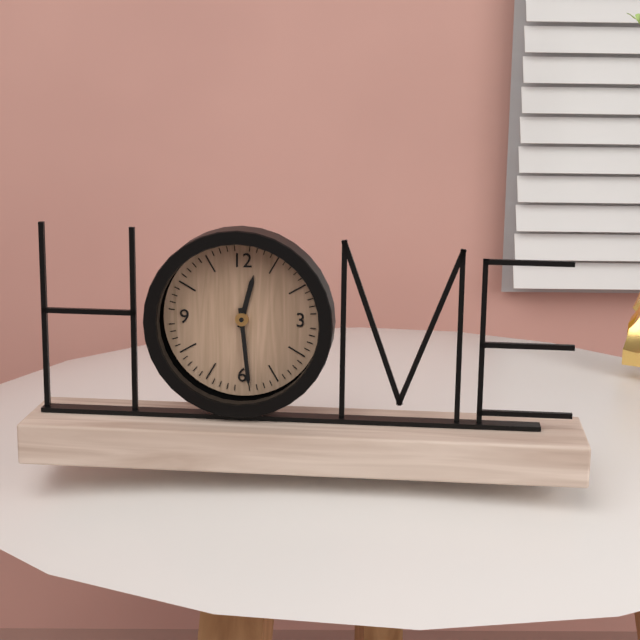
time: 12:29
